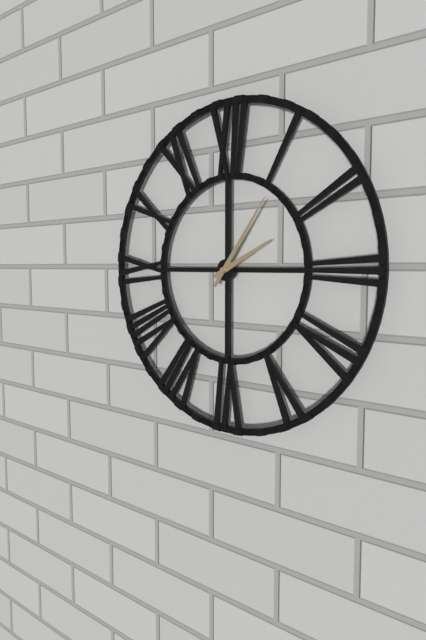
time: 2:06
